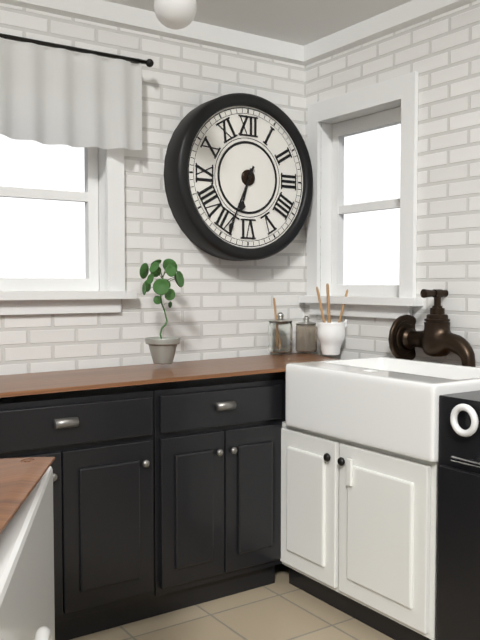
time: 6:34
